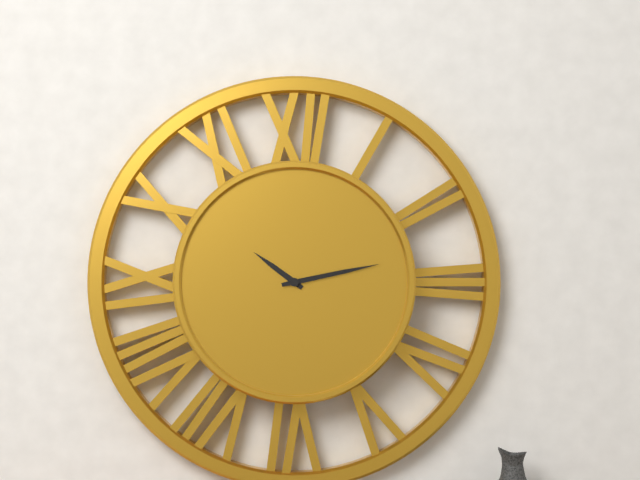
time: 10:13
